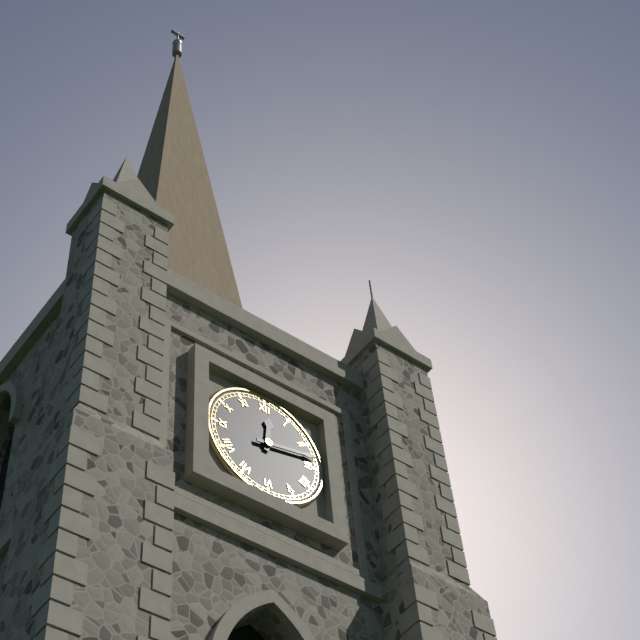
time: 12:13
